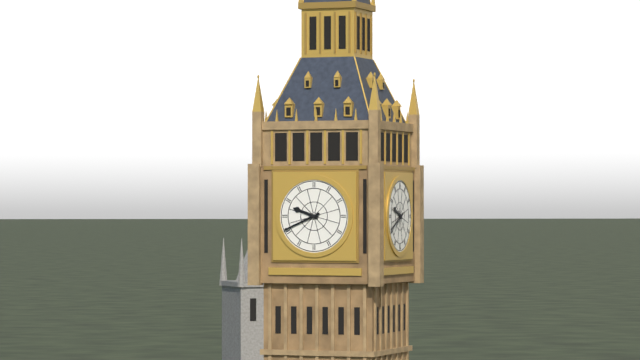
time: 9:41
